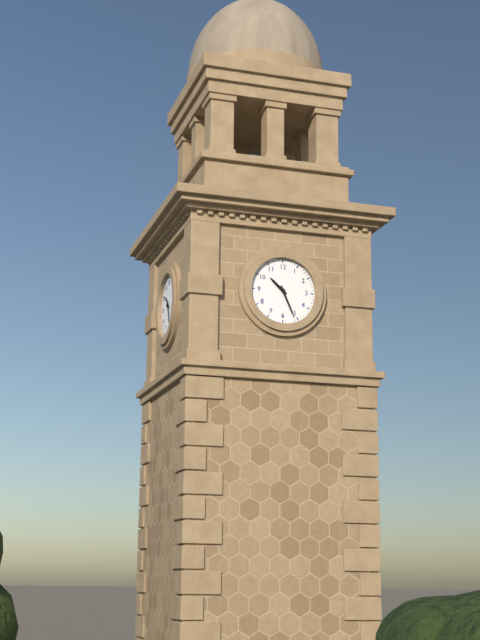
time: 10:26
